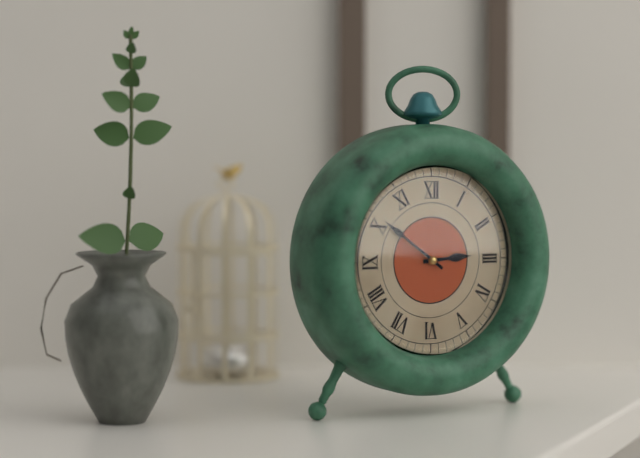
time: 2:51
